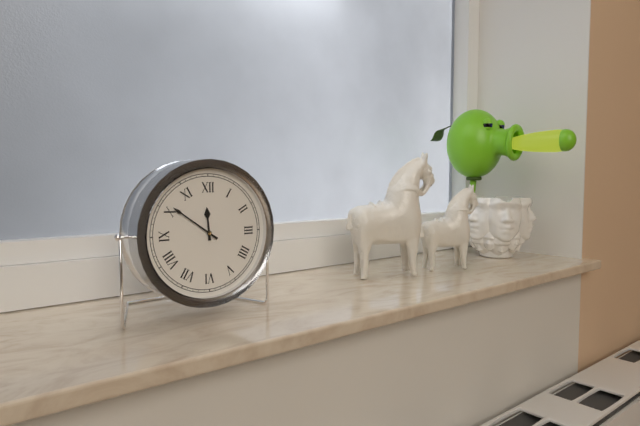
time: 11:51
